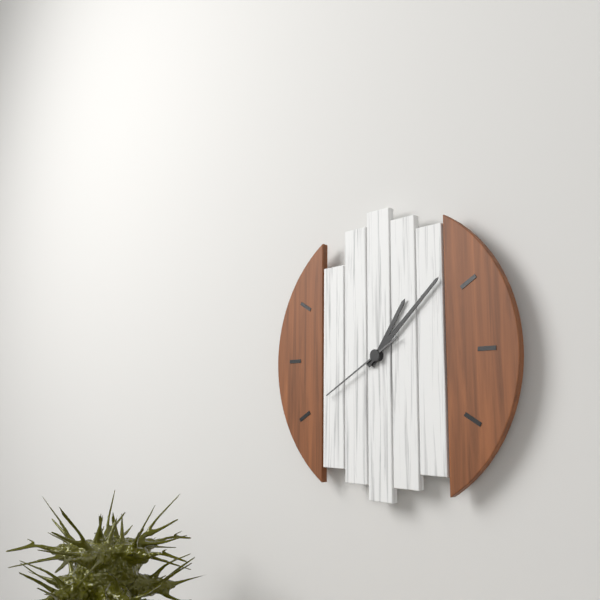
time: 1:08:40
